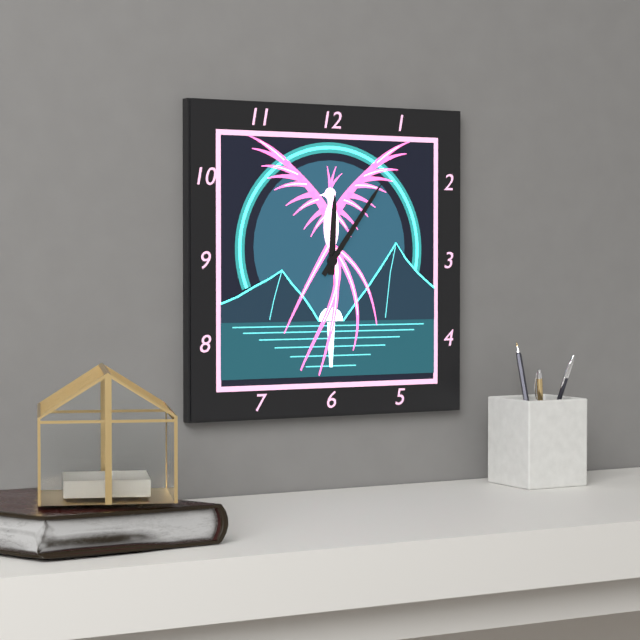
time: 12:06
